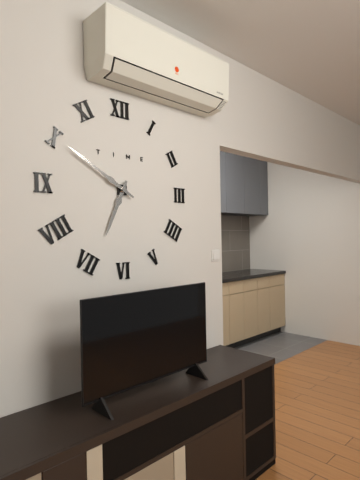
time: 6:50
